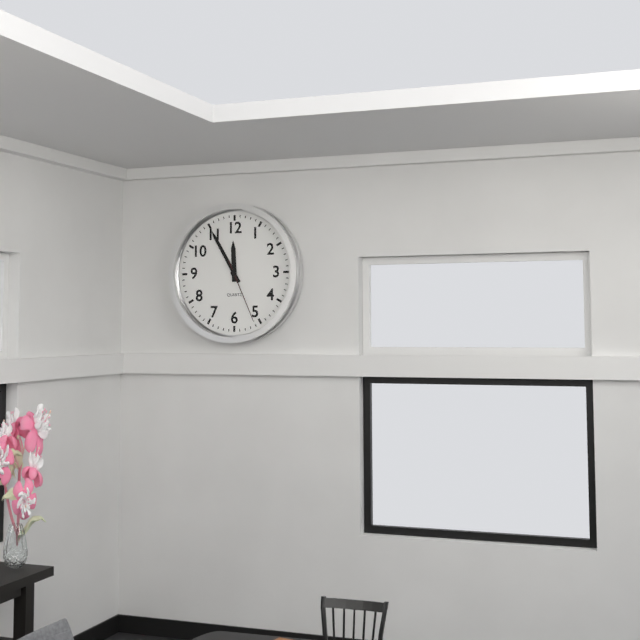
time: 11:55:26
